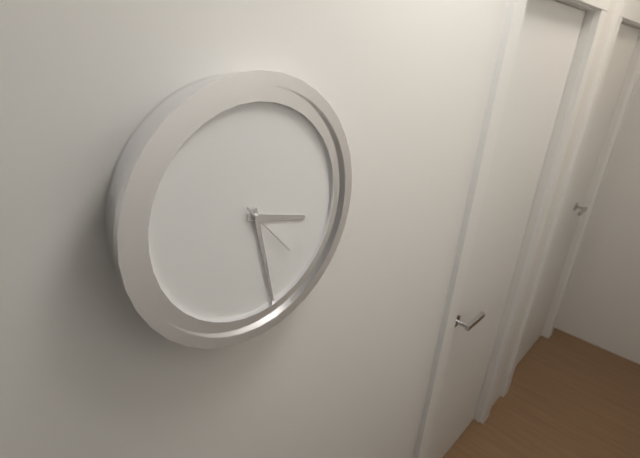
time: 3:28:23
